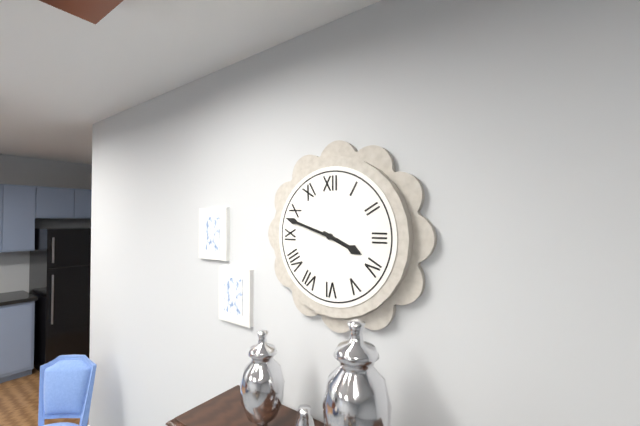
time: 3:48
